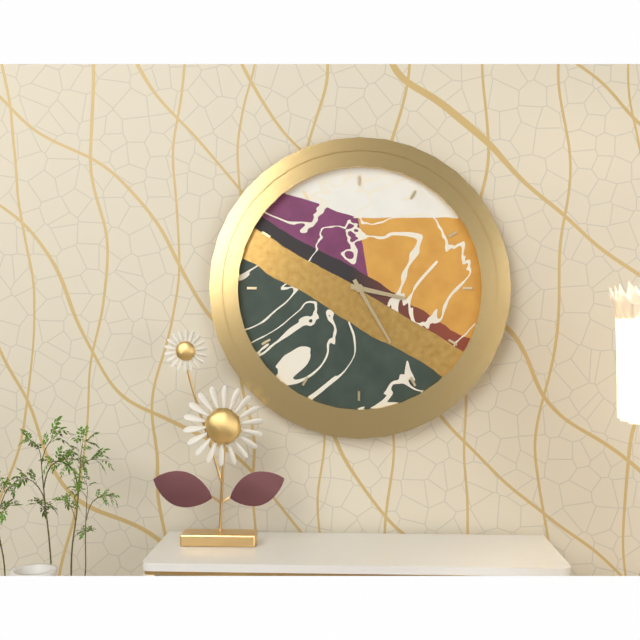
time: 3:25
